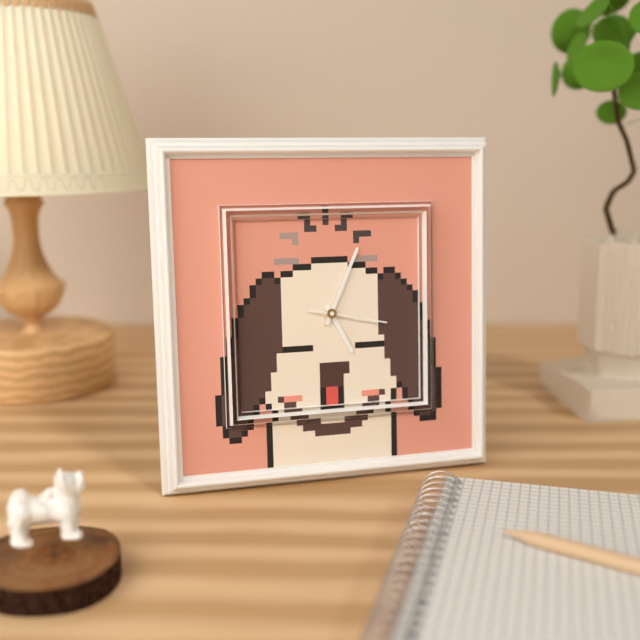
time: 5:04:17
